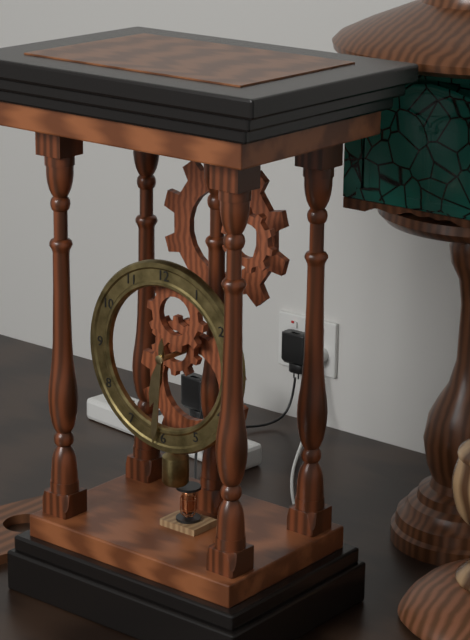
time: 6:31
